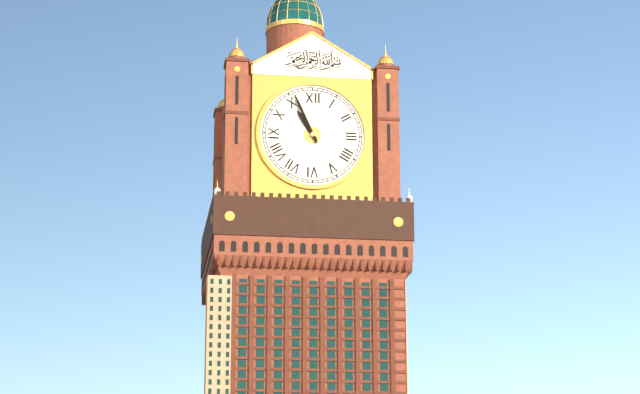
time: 10:56
